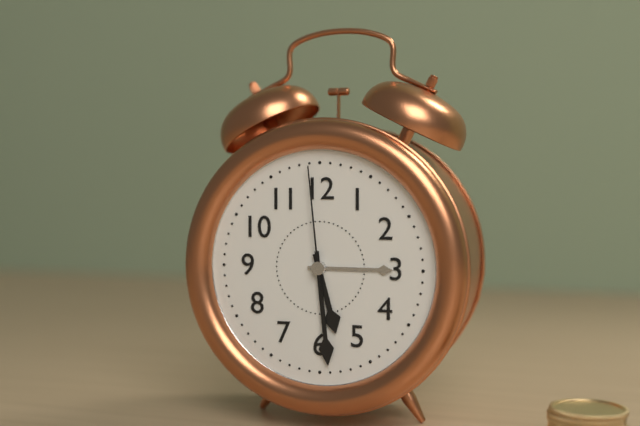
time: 5:29:59
